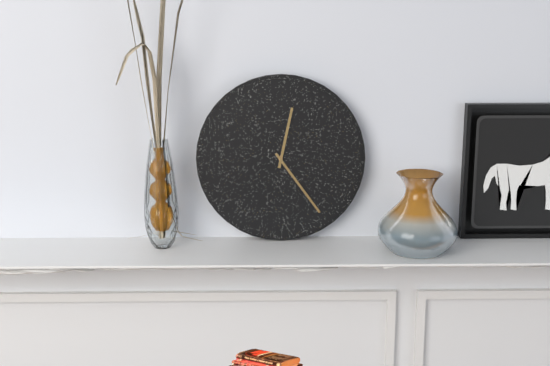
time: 12:24
